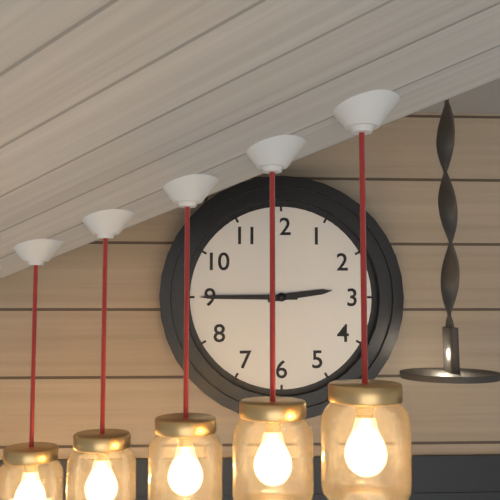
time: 2:45
